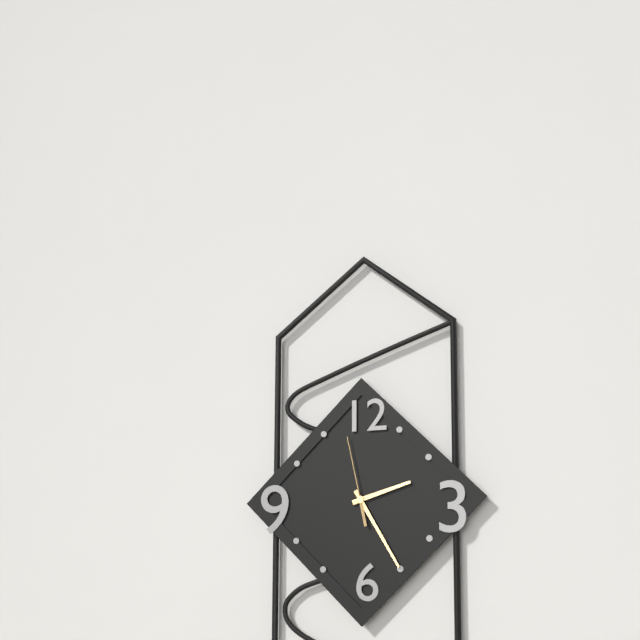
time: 2:25:58
